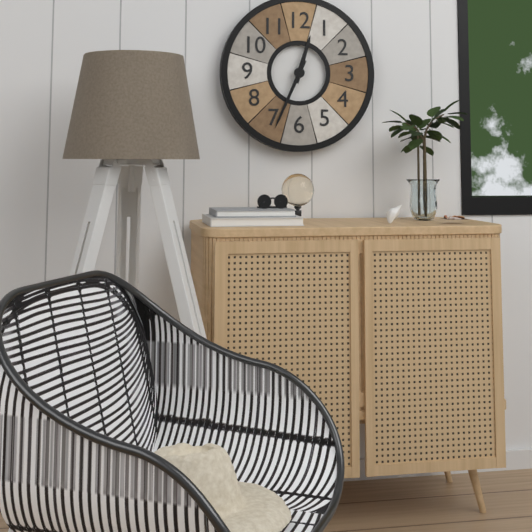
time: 12:34
